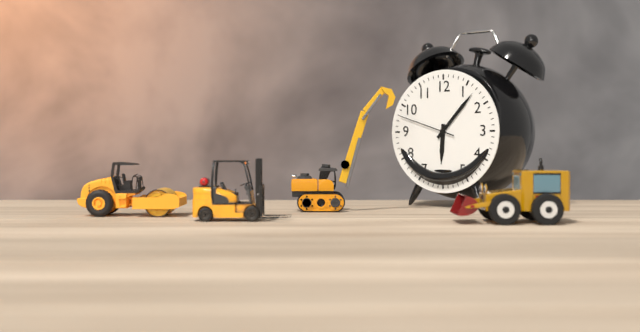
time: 6:07:48
